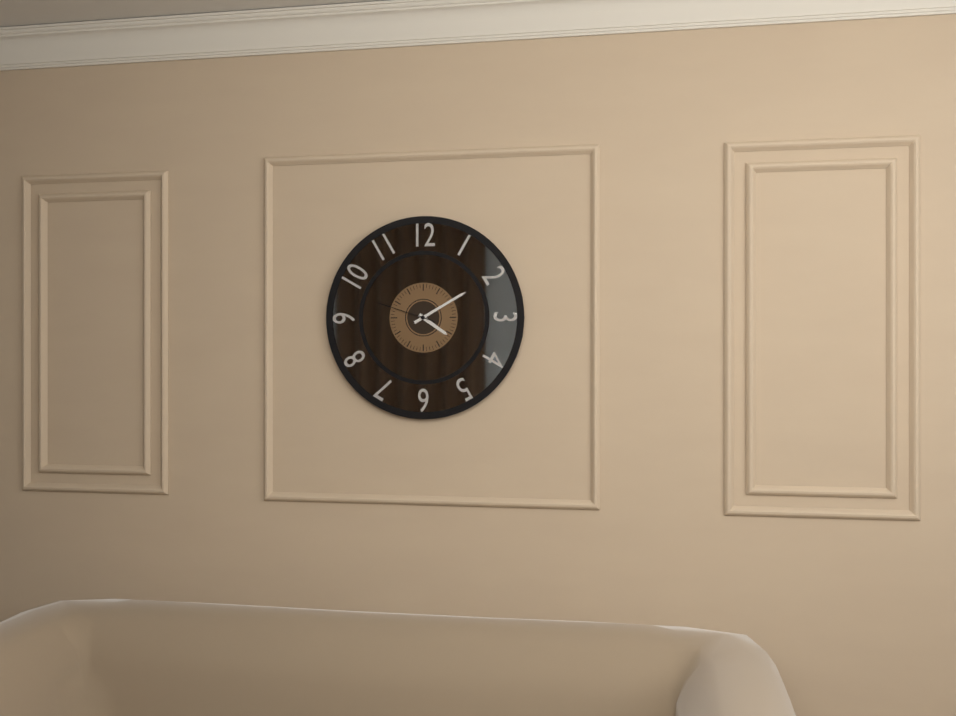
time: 4:10:48
